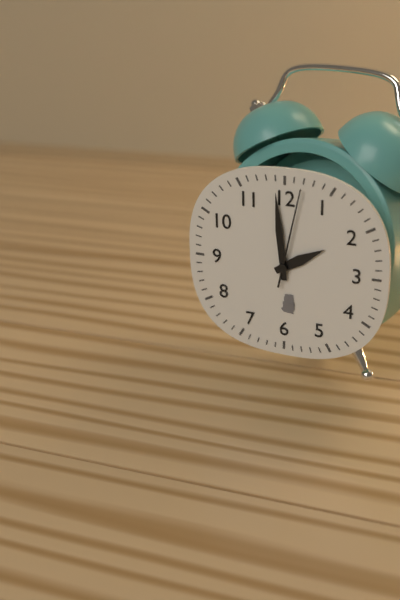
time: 1:59:02
